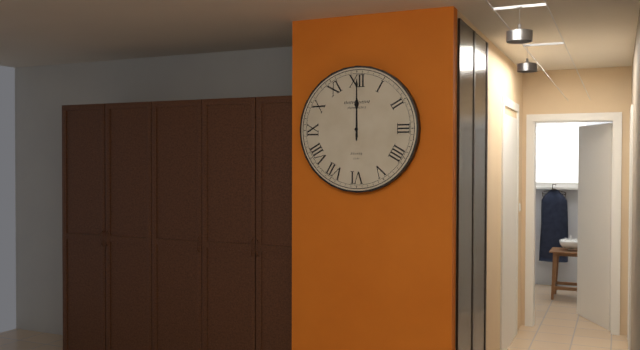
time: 12:00
